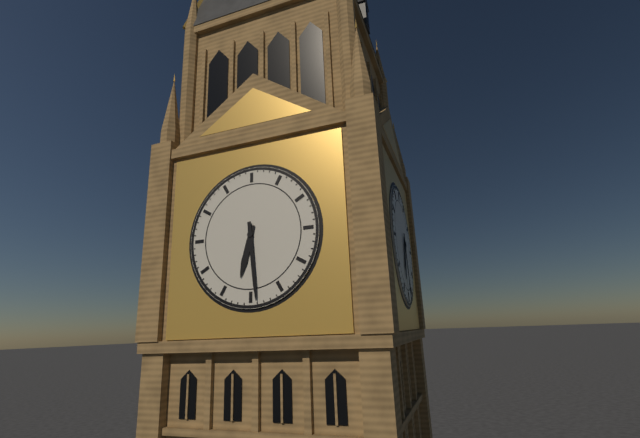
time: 6:29
